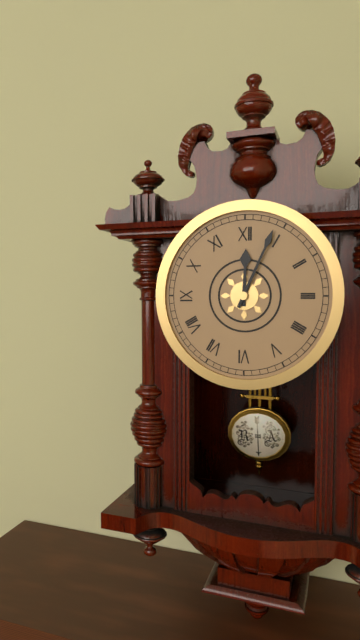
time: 12:04
